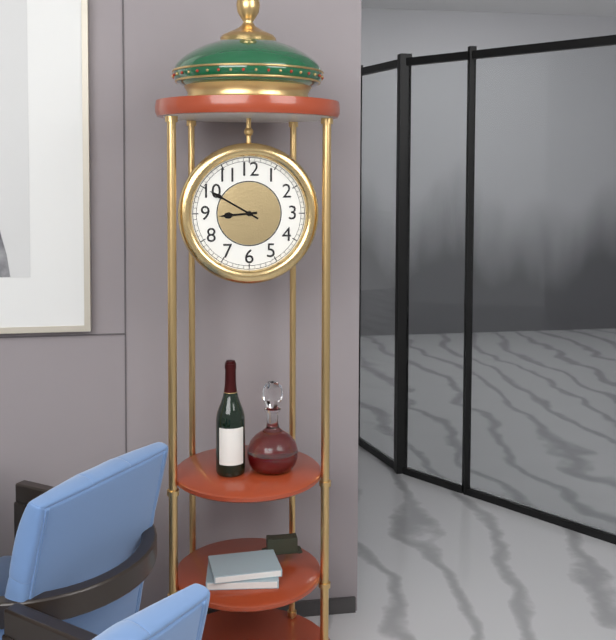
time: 8:50
